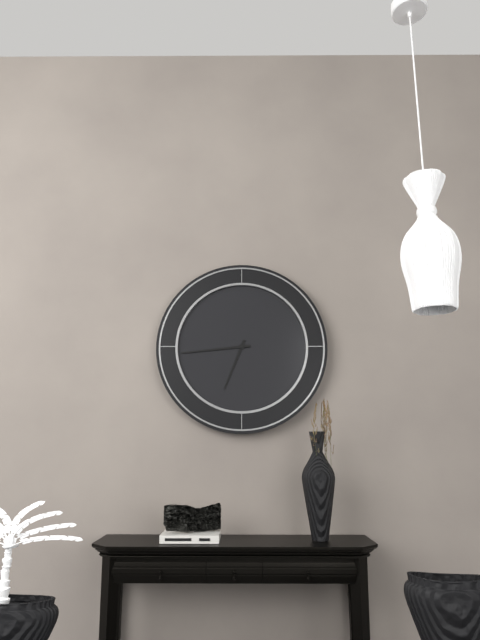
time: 6:44
